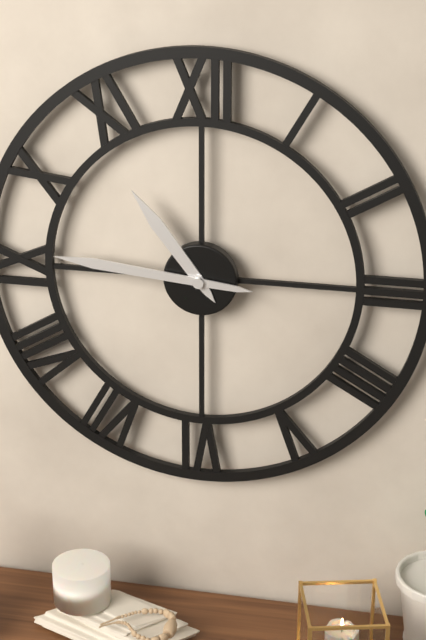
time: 10:46
